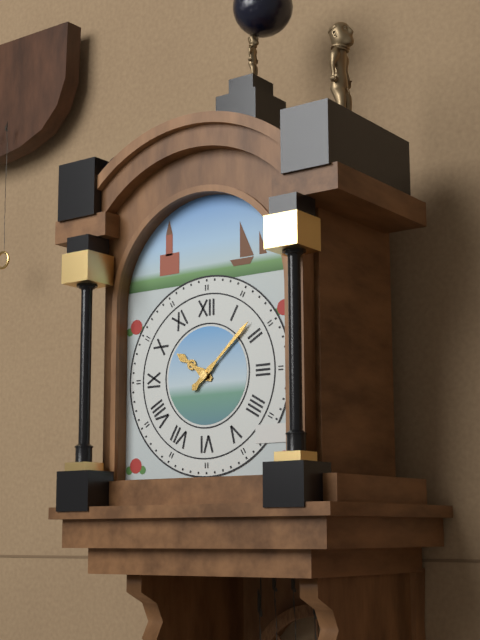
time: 10:08
